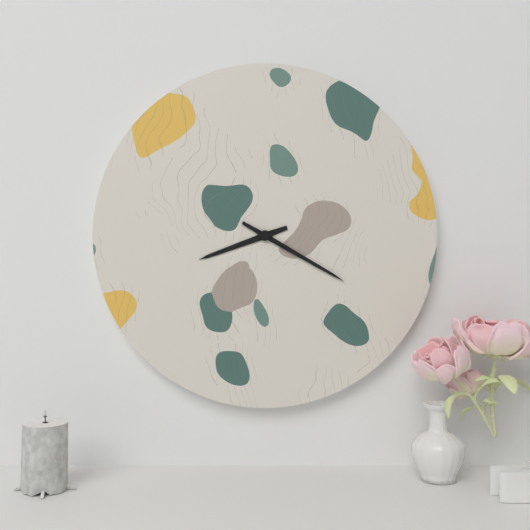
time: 8:20
